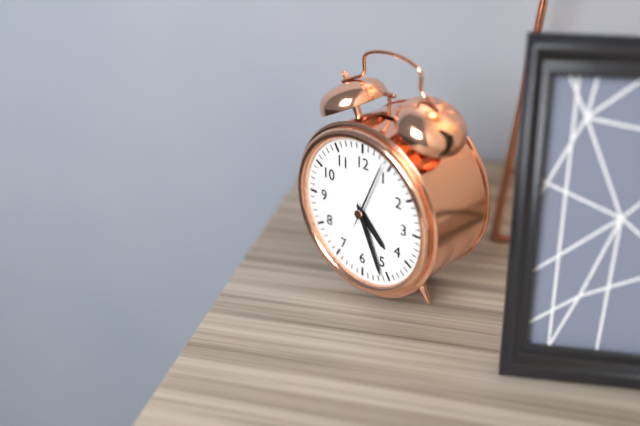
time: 4:26:04
